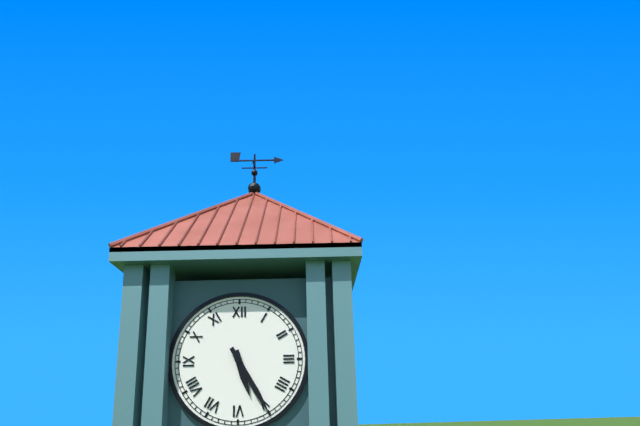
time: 5:25
